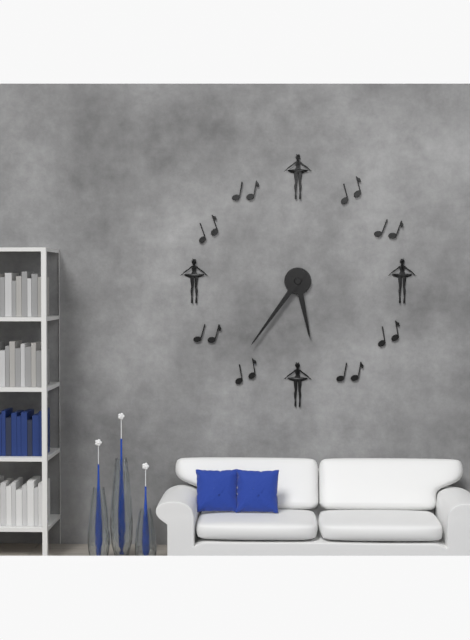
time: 5:36
